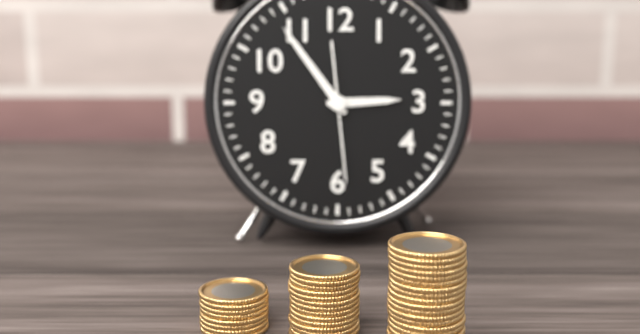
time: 2:54:29
